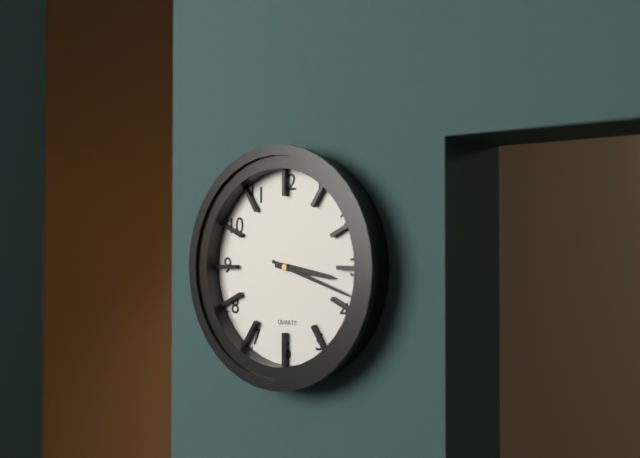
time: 3:18
